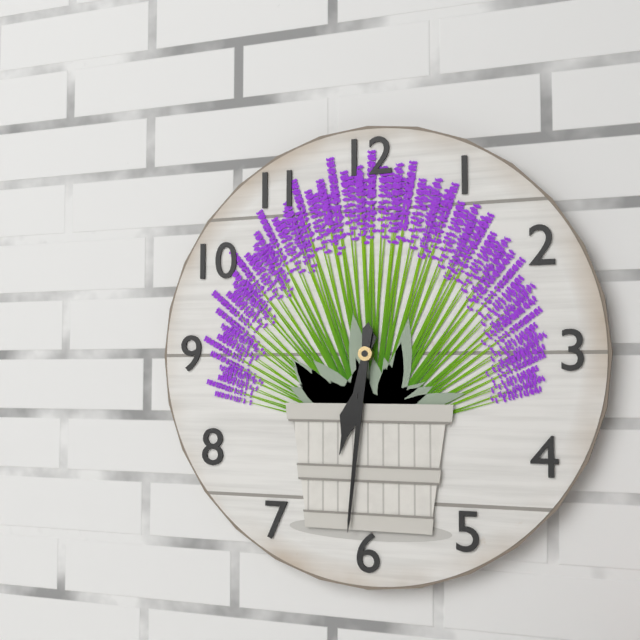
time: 6:31
